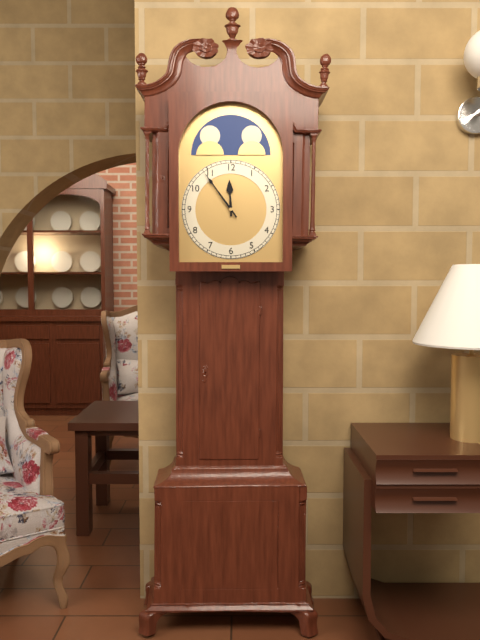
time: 11:54
